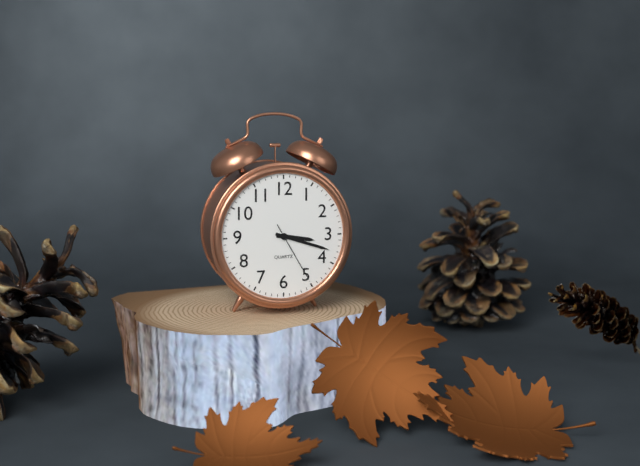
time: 3:18:25
